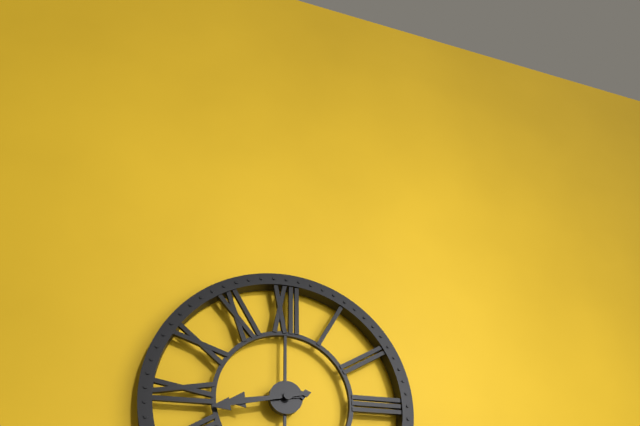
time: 8:43
